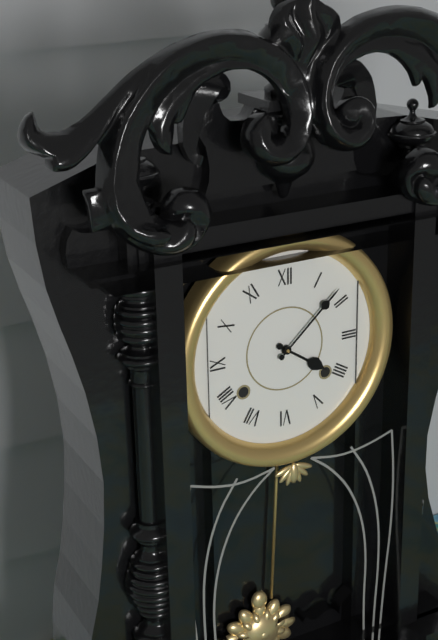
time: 4:08
